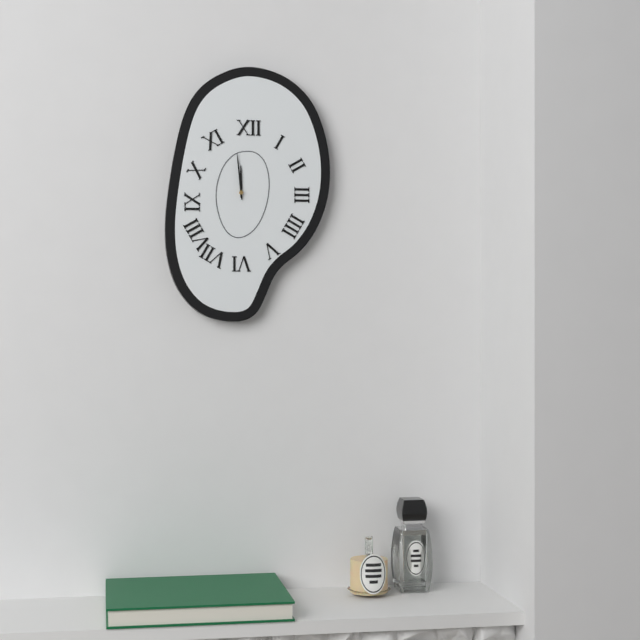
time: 11:59
